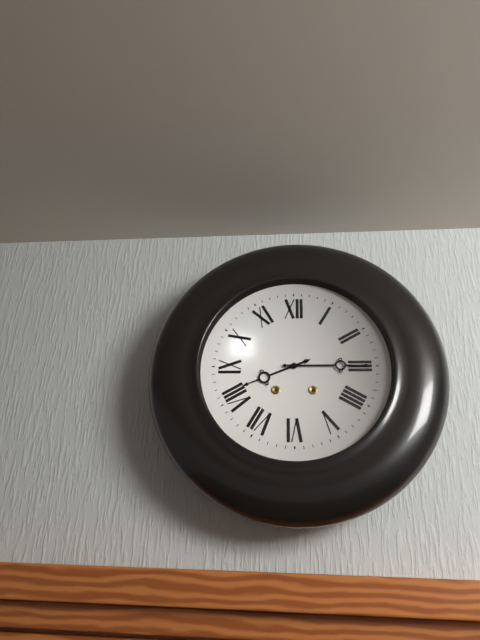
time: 8:15
